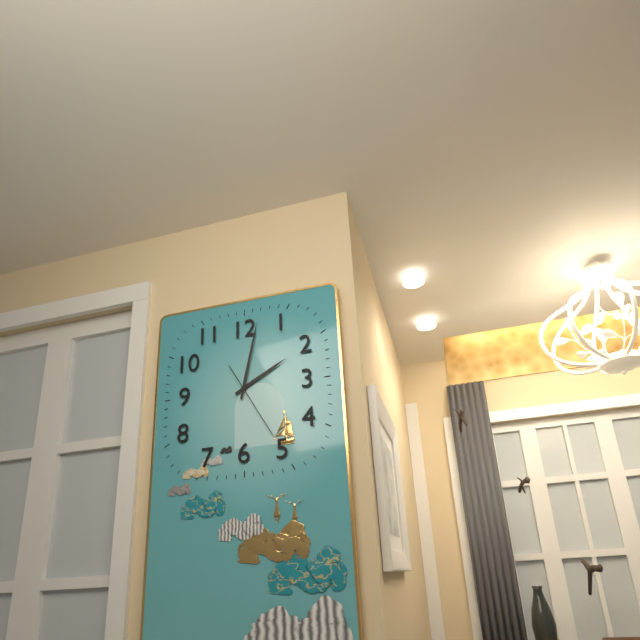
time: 2:02:25
